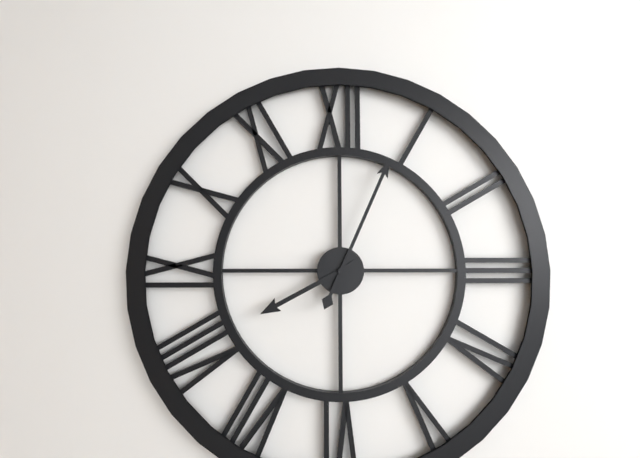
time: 8:04
